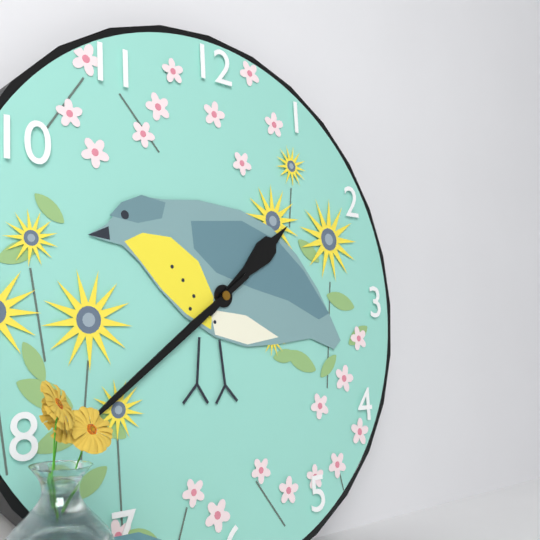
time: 1:39
